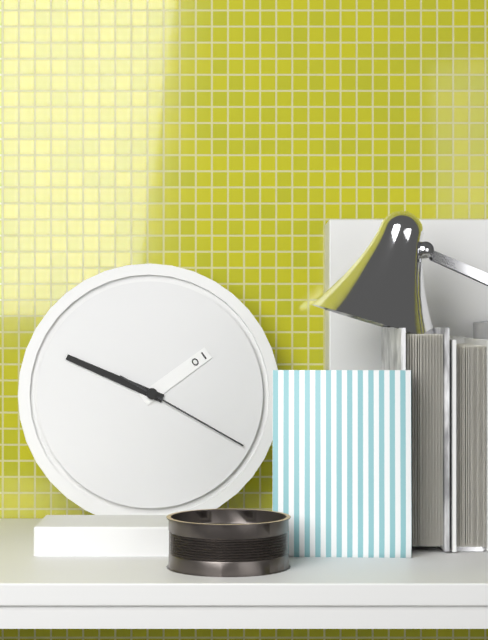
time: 1:49:20
